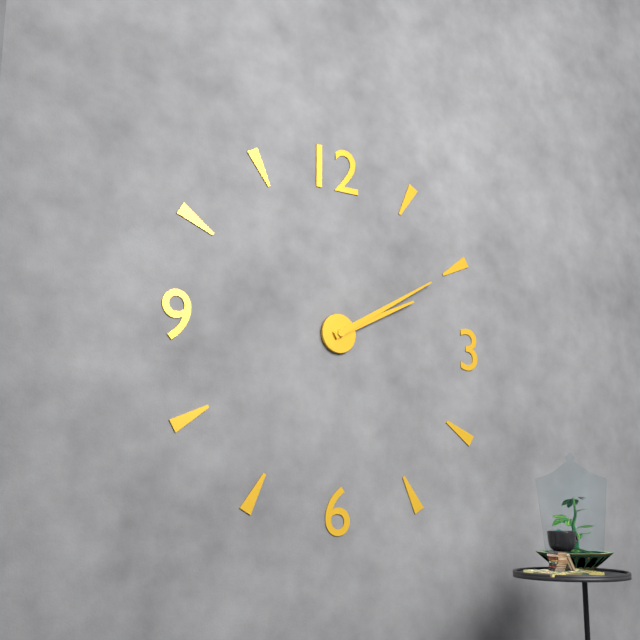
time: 2:10
